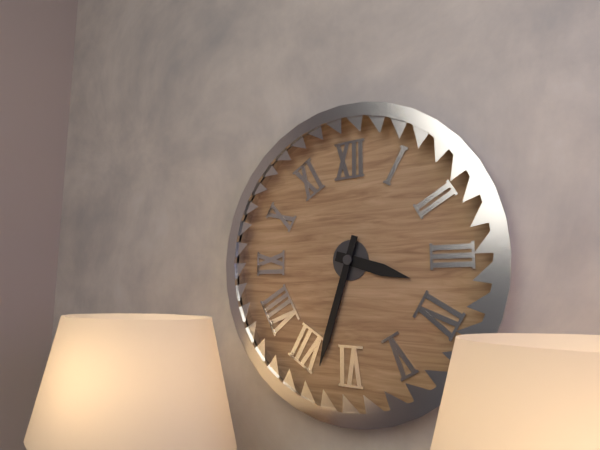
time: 3:33
